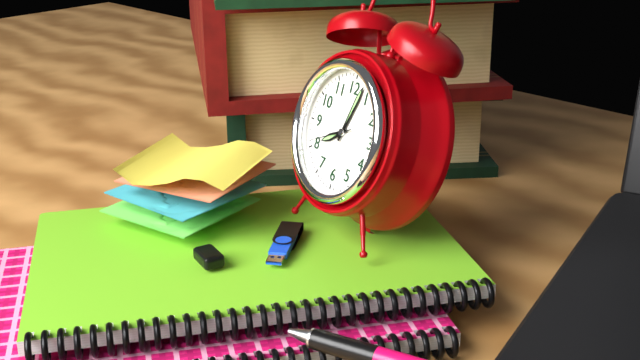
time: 8:03
